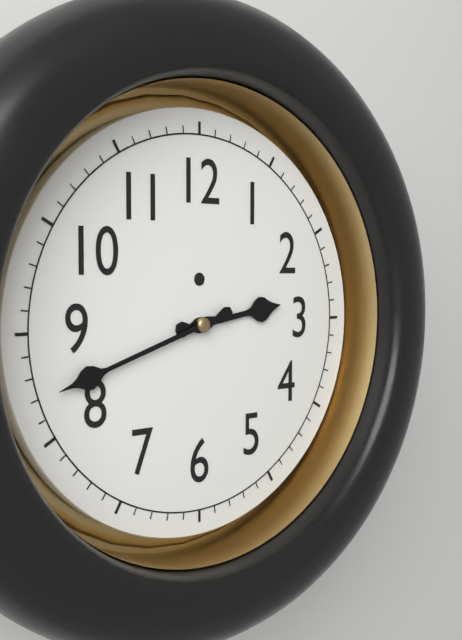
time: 2:42
